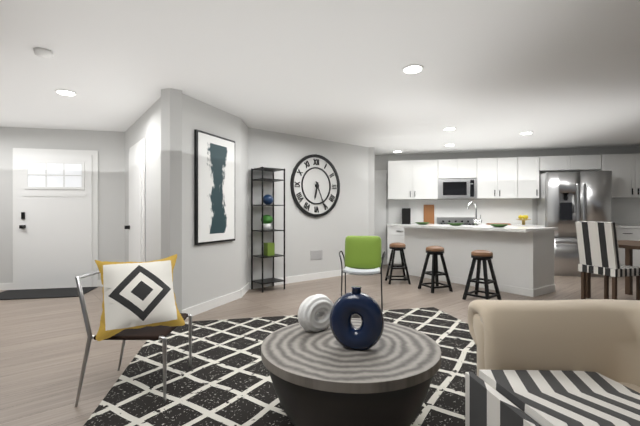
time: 6:26
